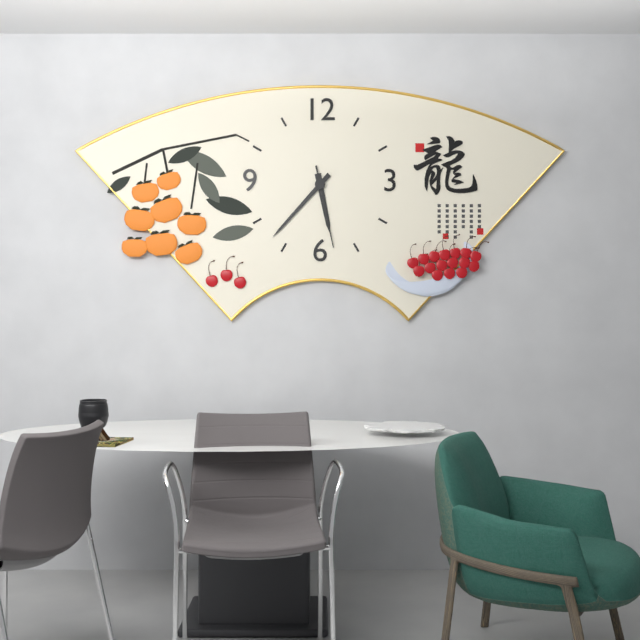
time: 5:37:28
